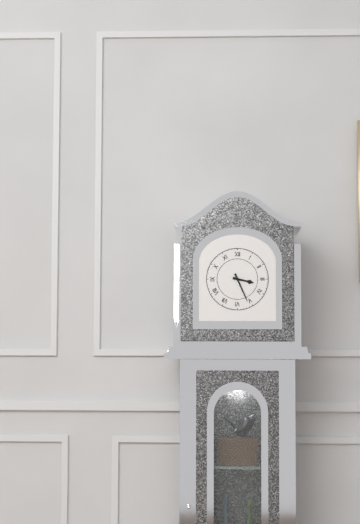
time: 3:26
